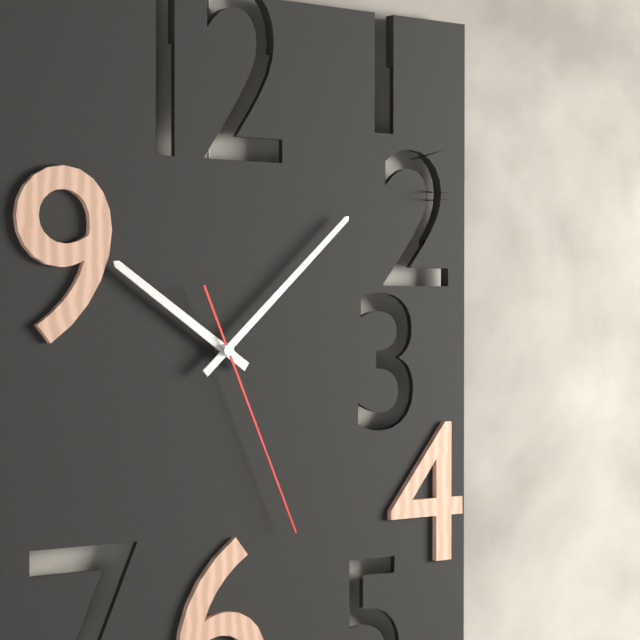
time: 10:08:26
